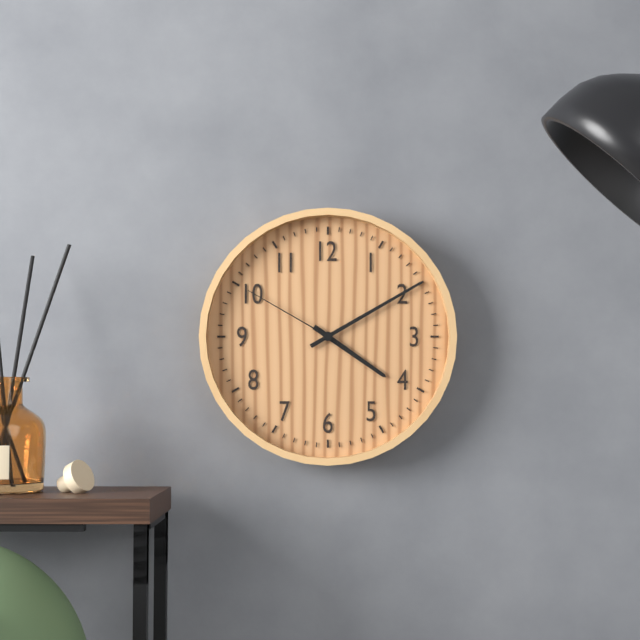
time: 4:10:50
